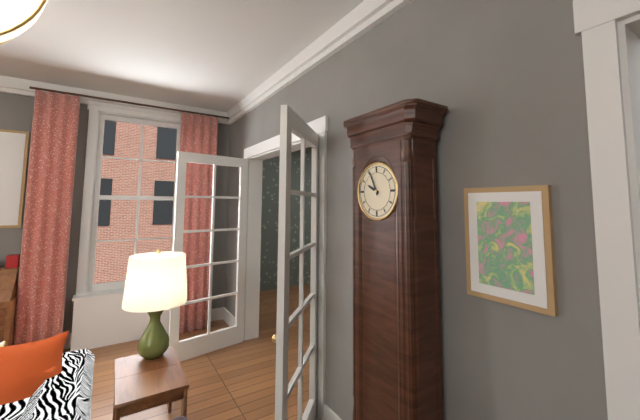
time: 9:56
